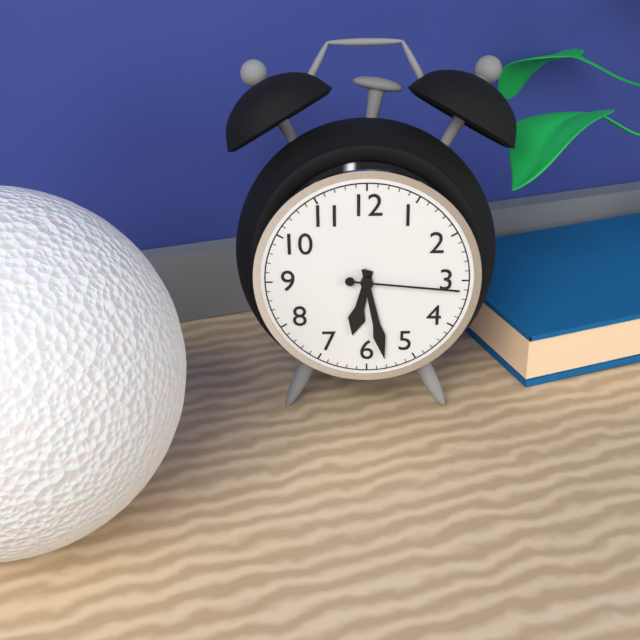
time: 6:28:16
